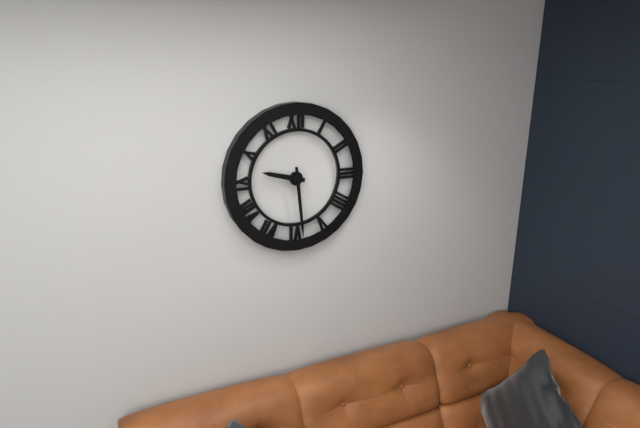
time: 9:29
